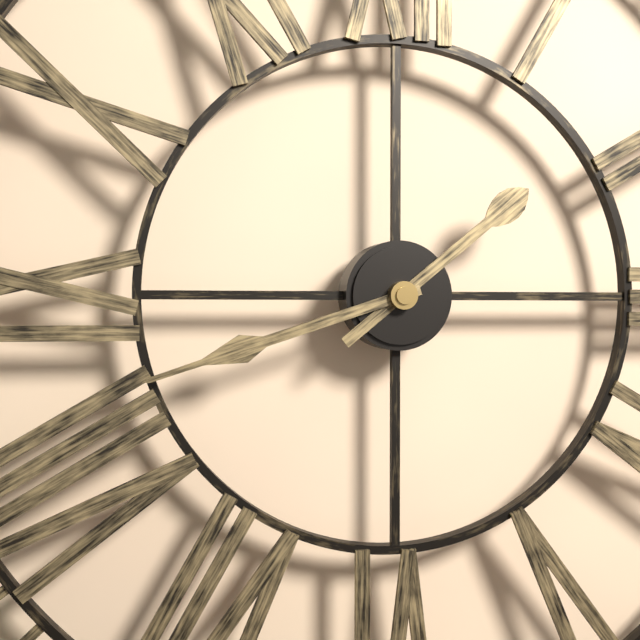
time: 1:42
